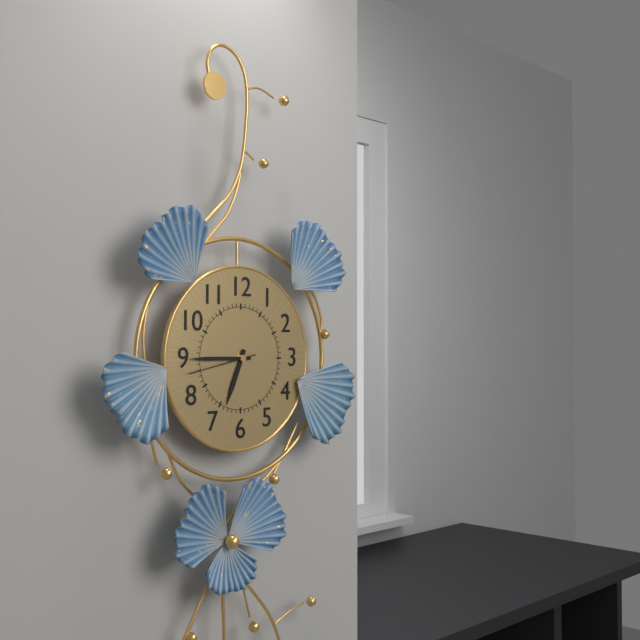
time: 6:45:43
